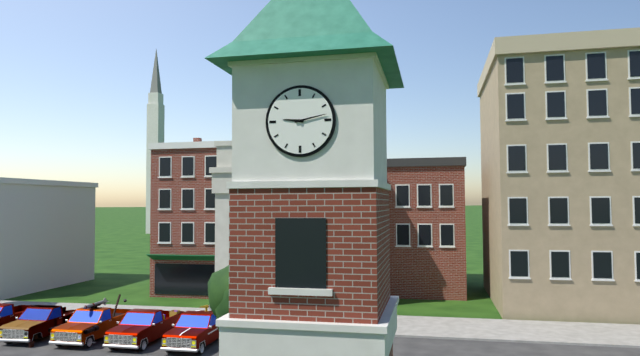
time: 9:13
